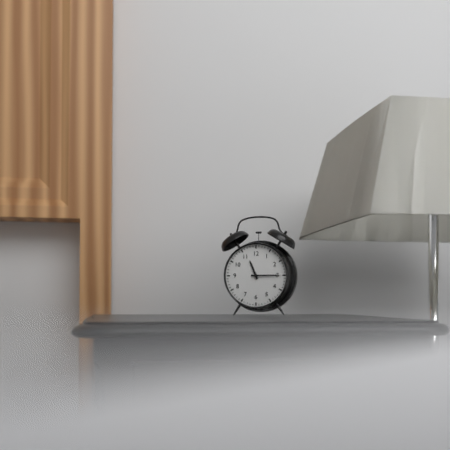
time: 11:15
